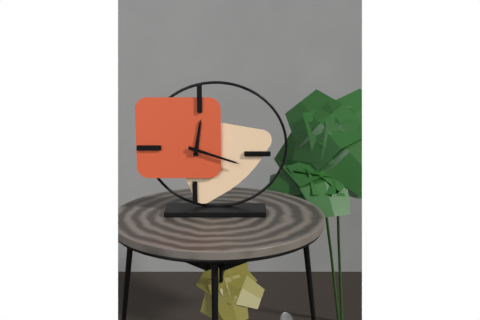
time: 12:18
